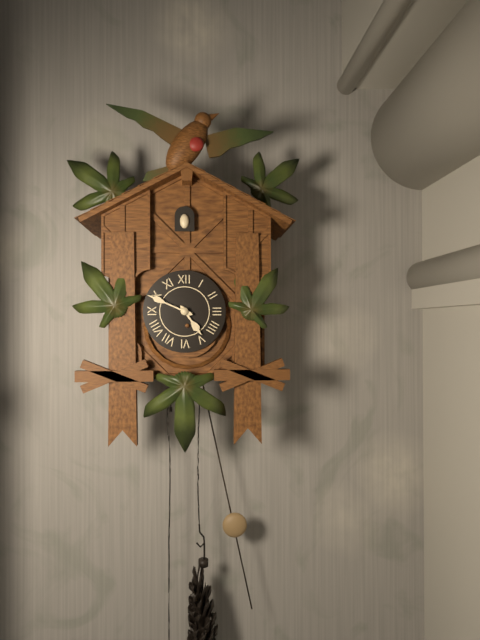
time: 4:49
